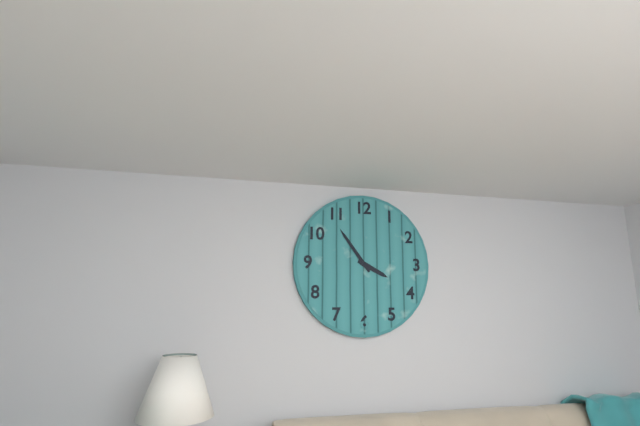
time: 3:54
